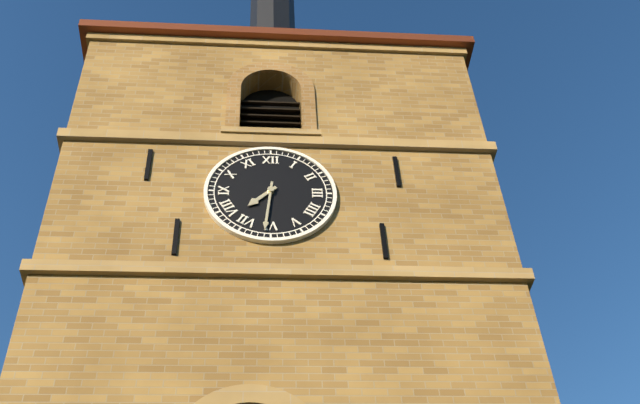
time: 7:31
